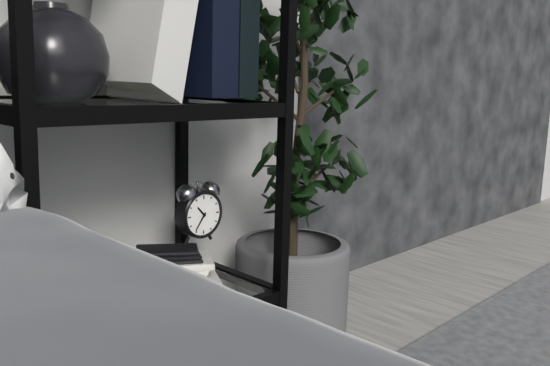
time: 10:36
